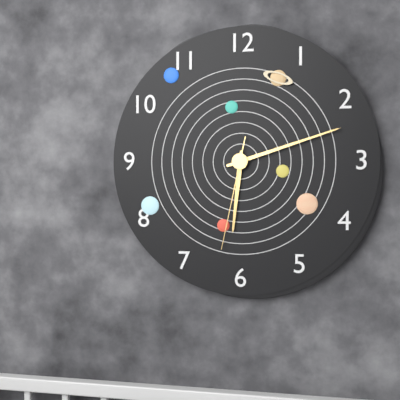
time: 6:12:32
